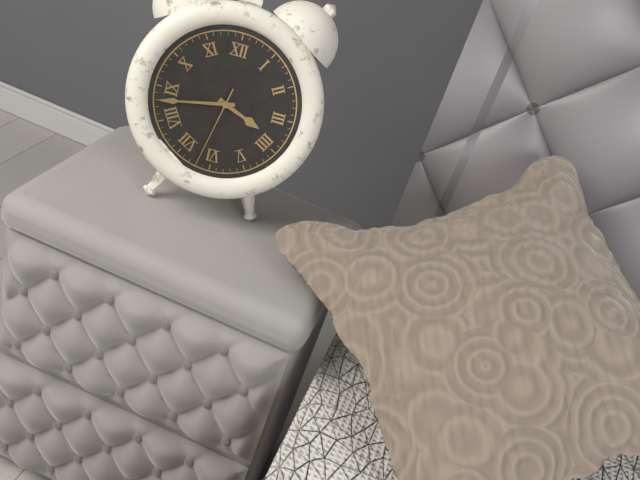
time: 3:43:32
